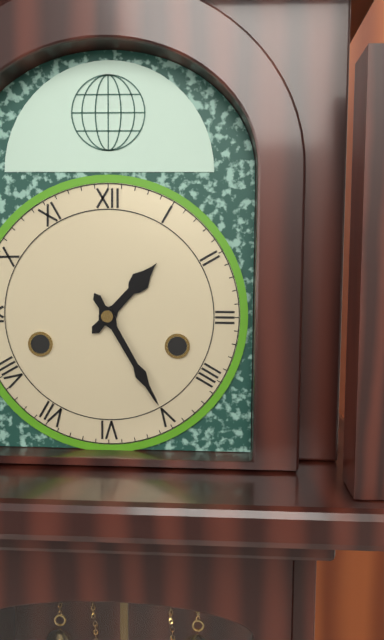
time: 1:25
